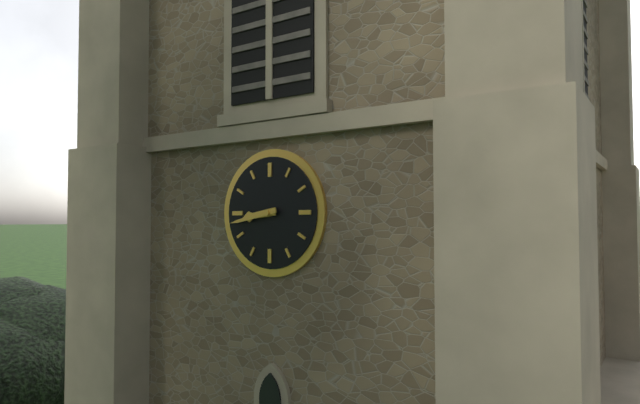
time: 8:43
